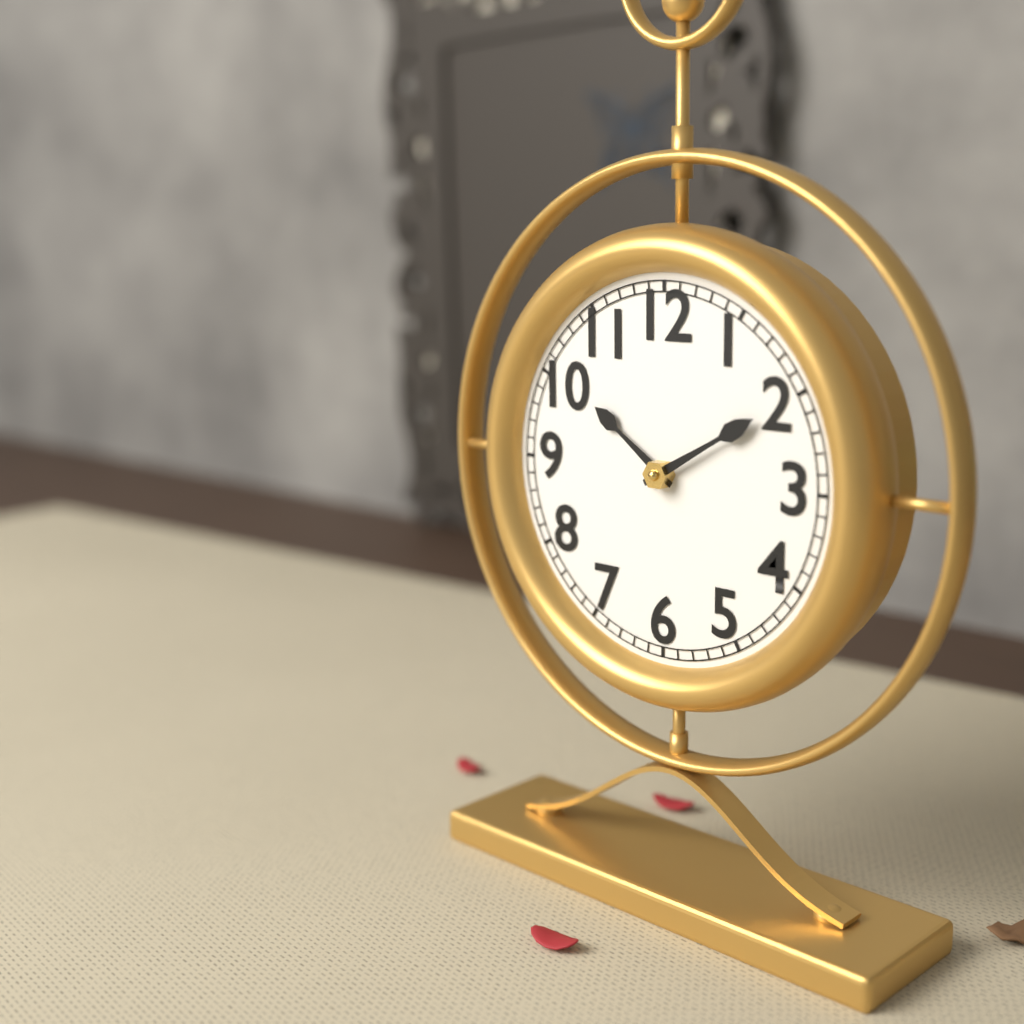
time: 10:10
